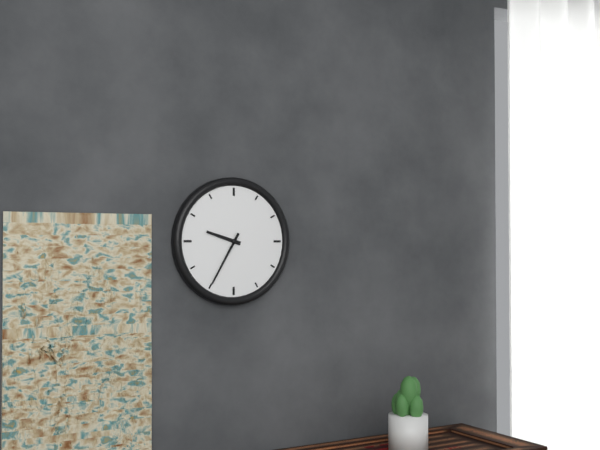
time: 9:35
